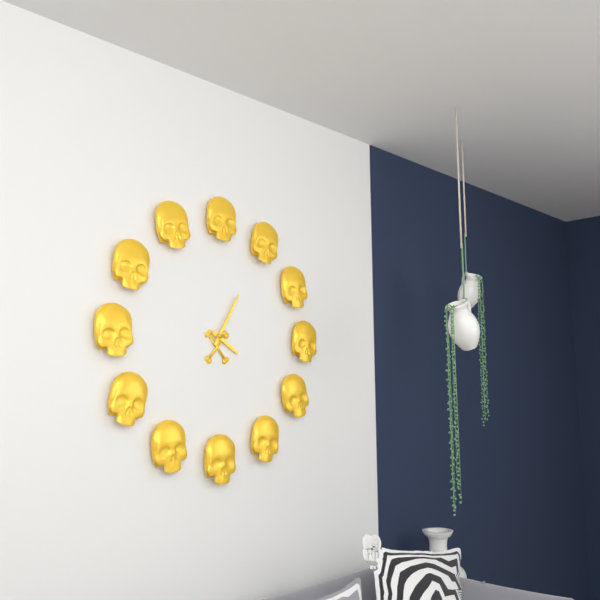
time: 4:05
